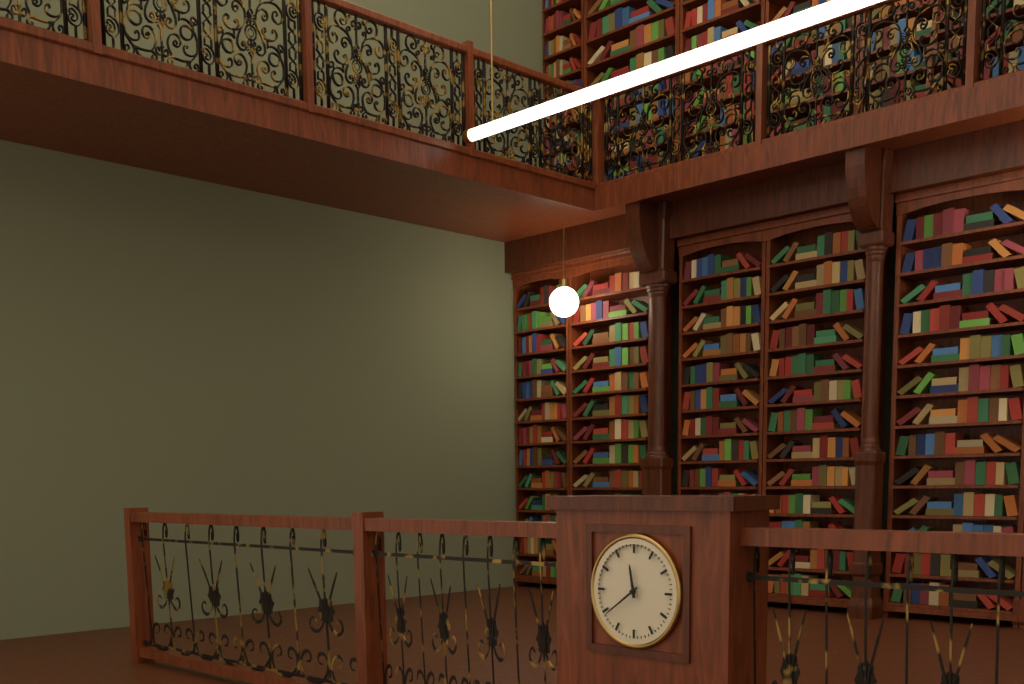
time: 11:39
